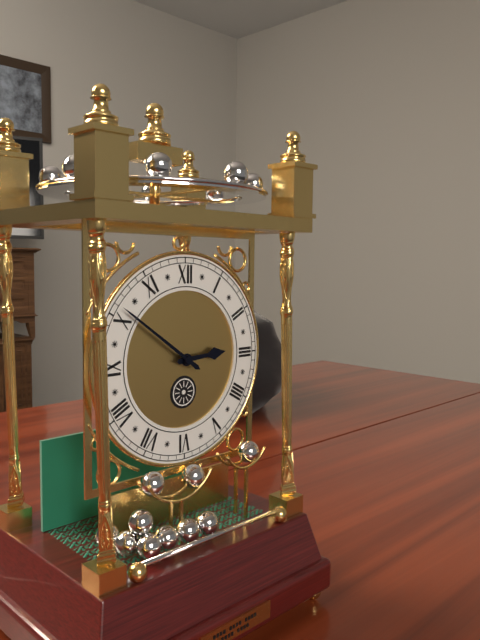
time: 2:51
